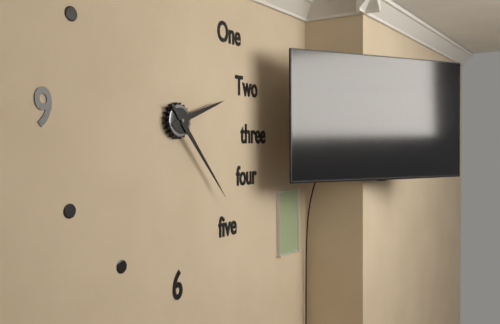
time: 2:23
